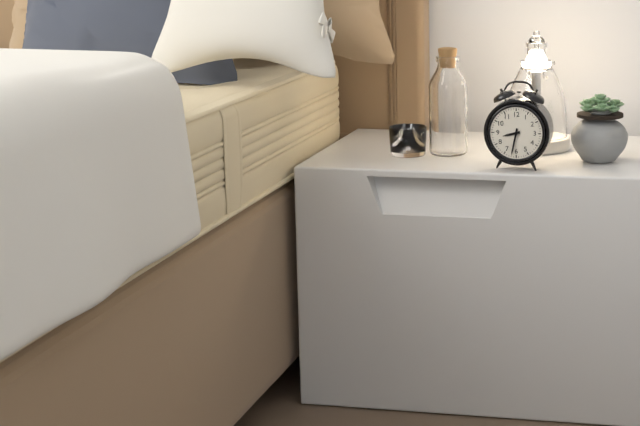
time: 8:32
